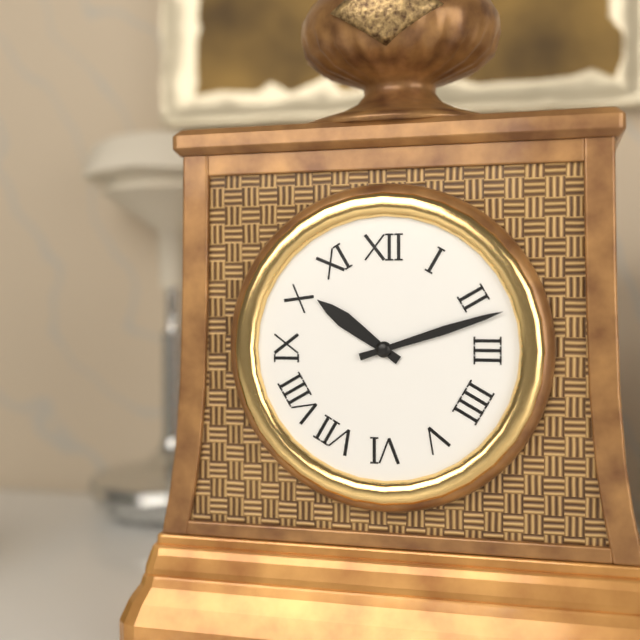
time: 10:12
